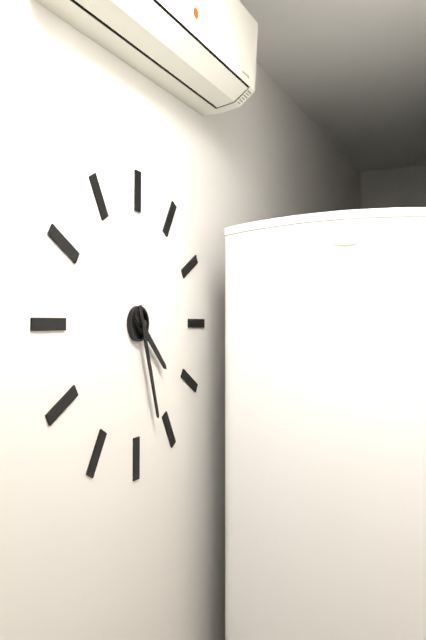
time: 4:27
